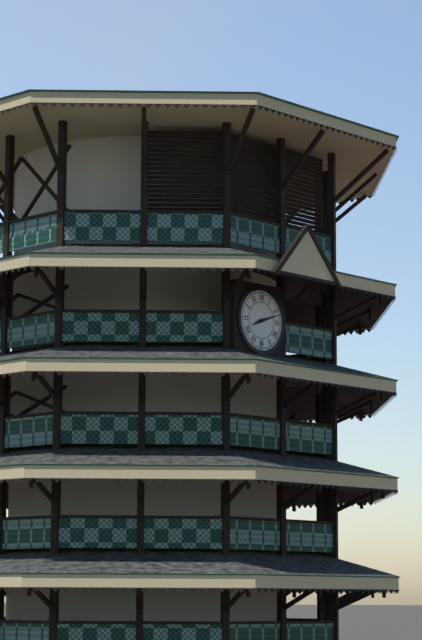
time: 8:12
